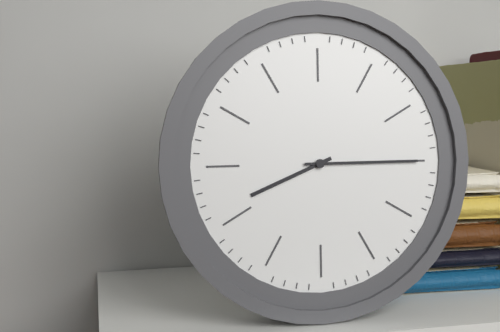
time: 8:15
